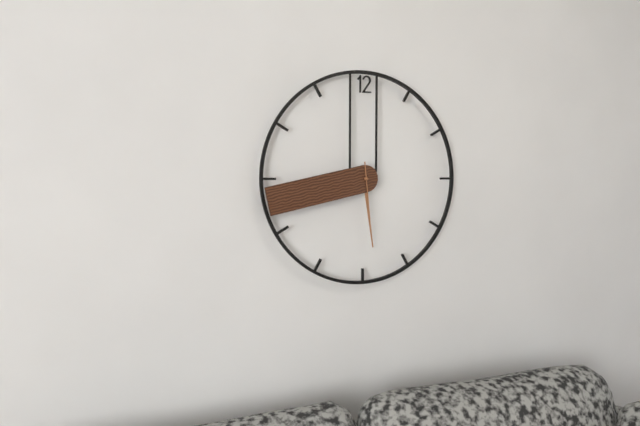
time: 5:43:29
